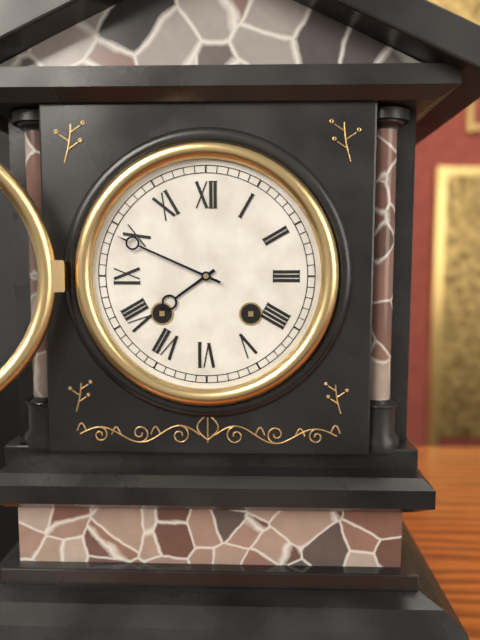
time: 7:49
